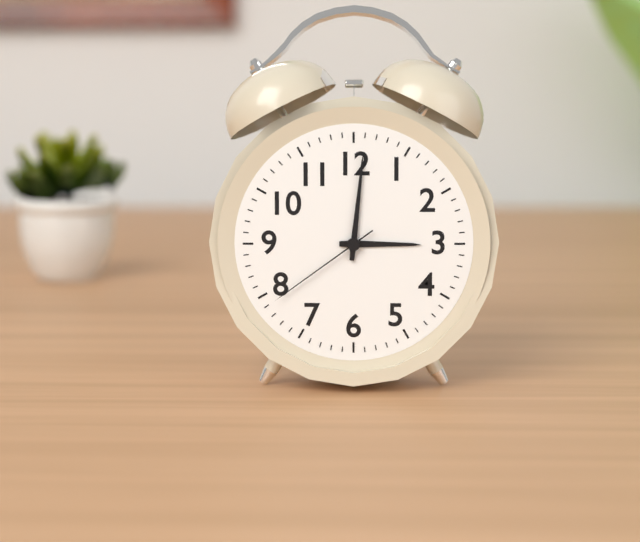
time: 3:01:39
